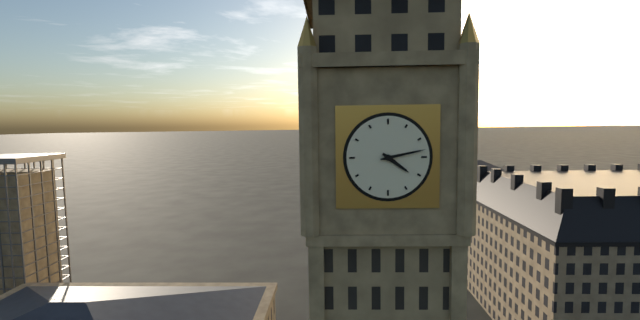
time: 4:13
